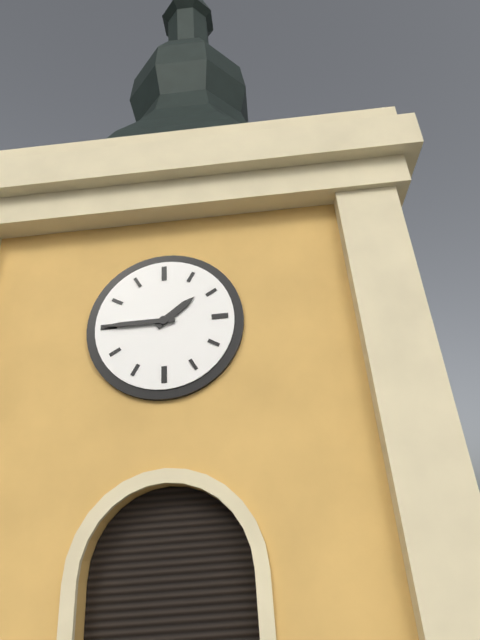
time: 1:45
